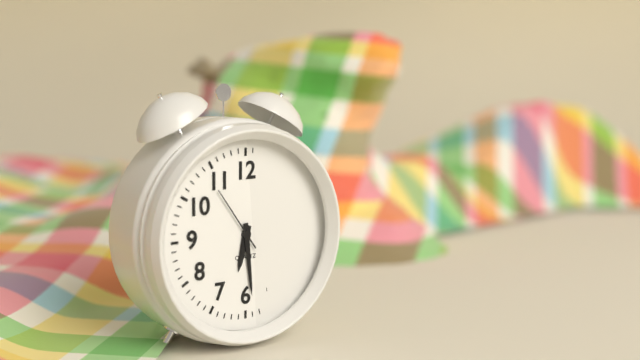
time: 6:29:54
